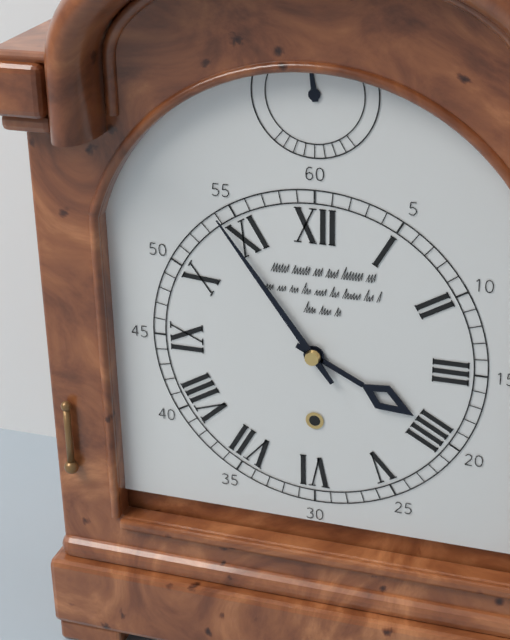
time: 3:54
